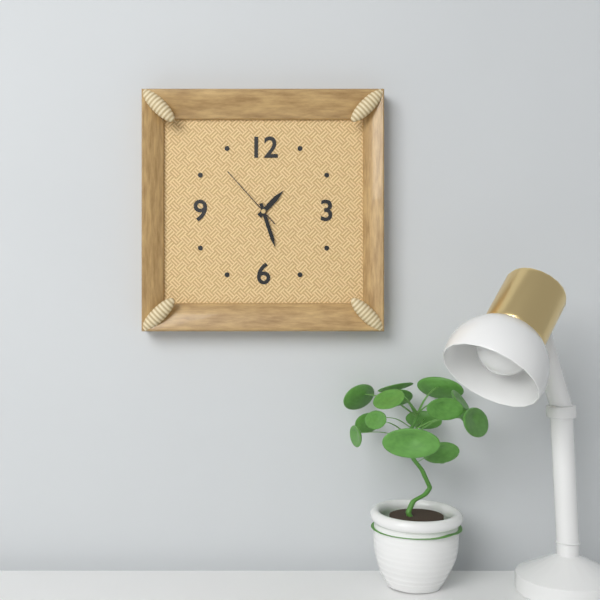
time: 1:27:53
